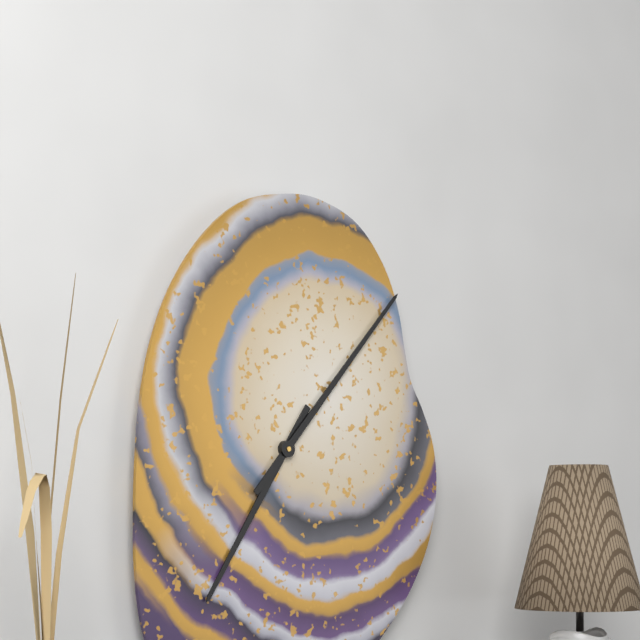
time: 7:07
